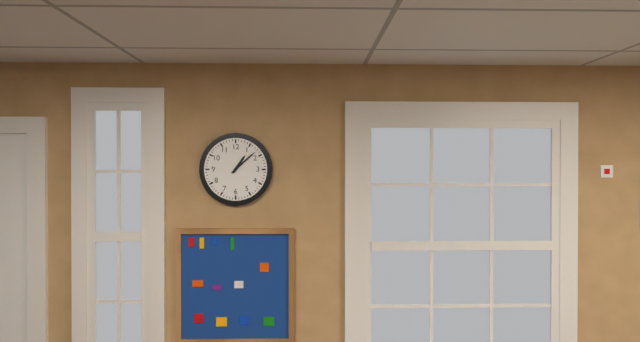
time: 1:08
